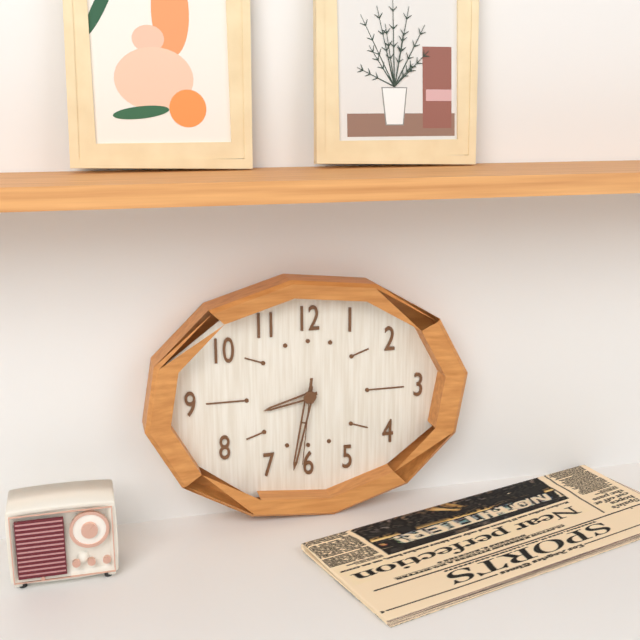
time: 8:32:31
